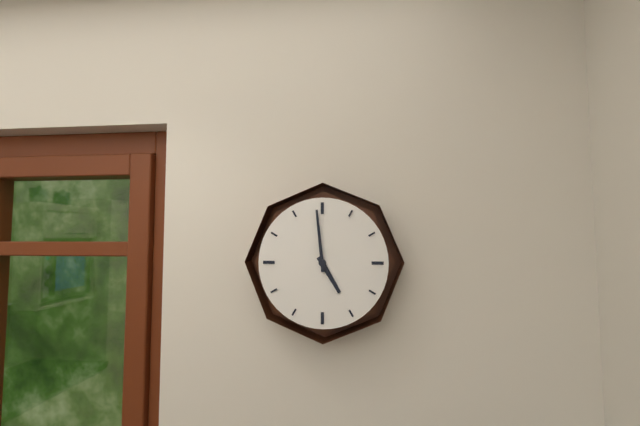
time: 4:59
